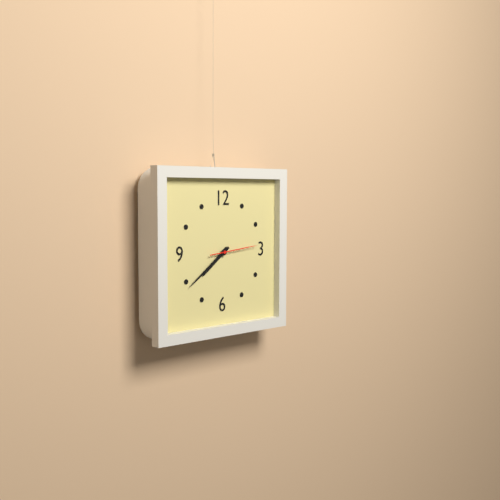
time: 7:39
